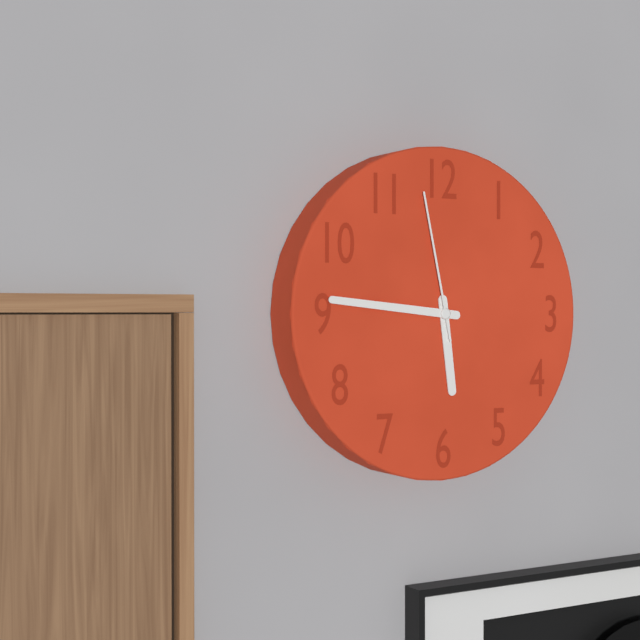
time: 5:46:58
